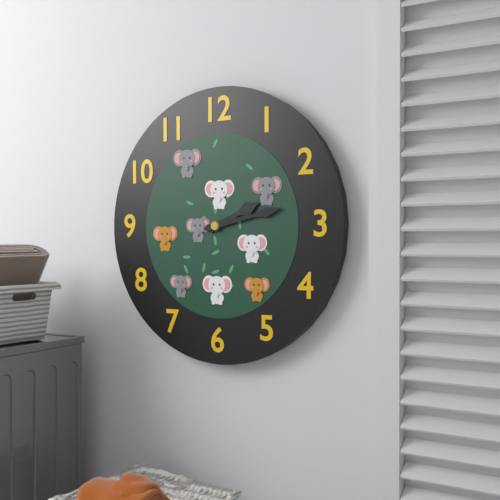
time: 2:13
